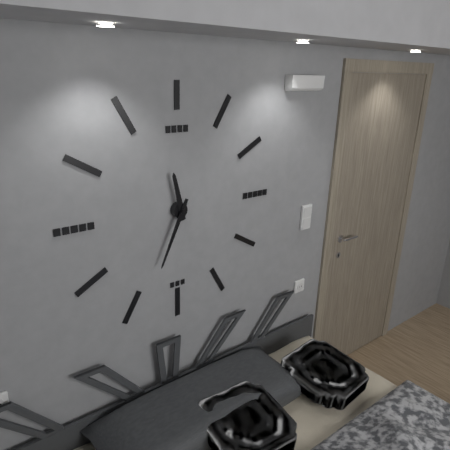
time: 11:34
